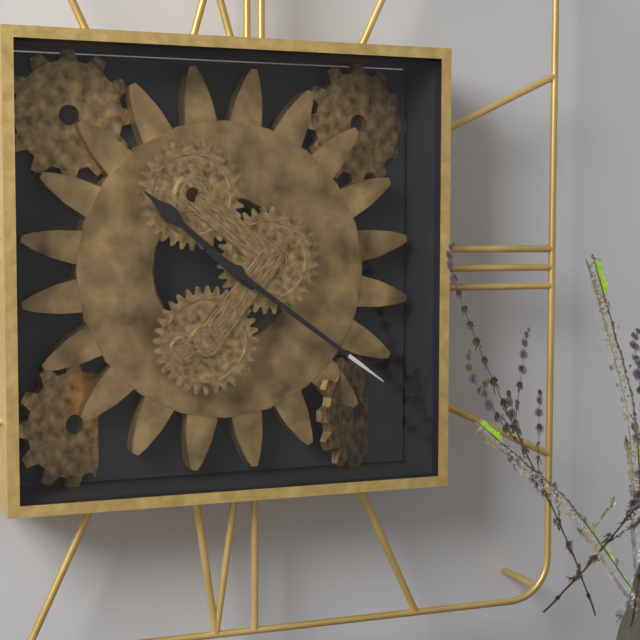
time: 10:21
